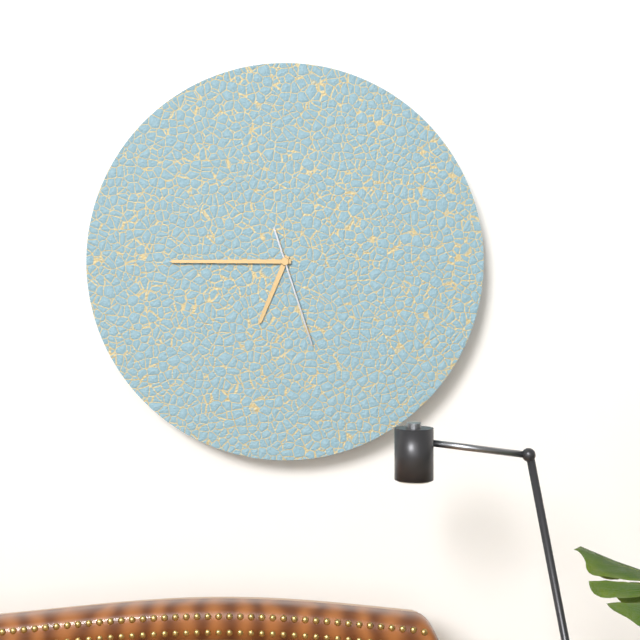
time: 6:45:27
